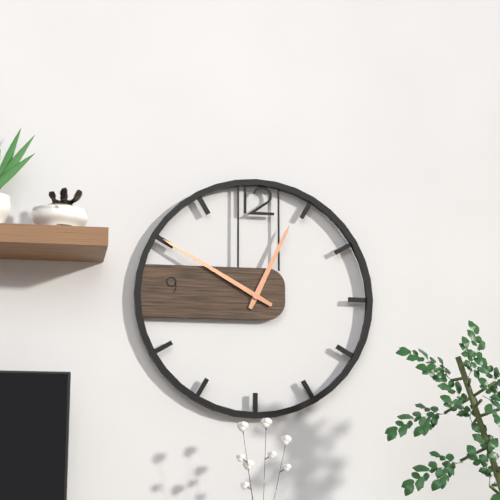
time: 12:50
